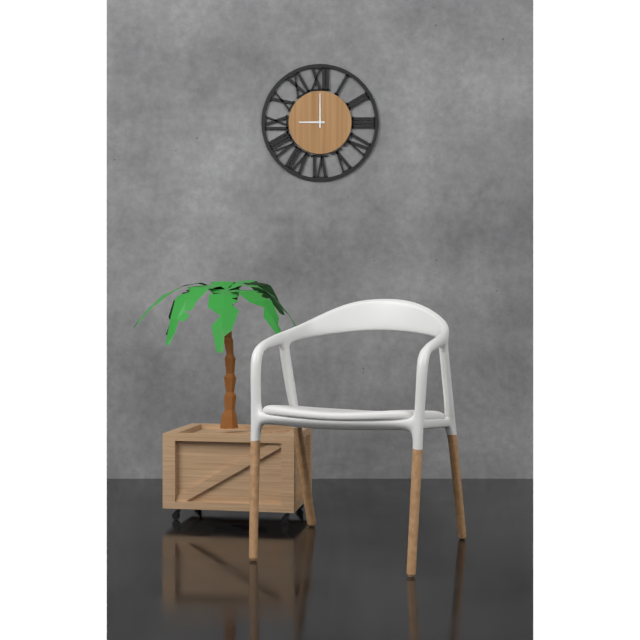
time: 9:00
